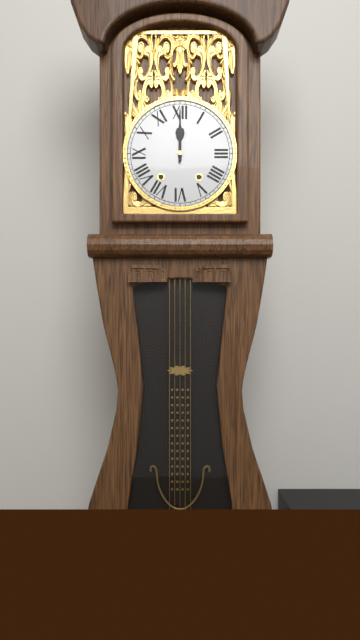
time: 12:00
